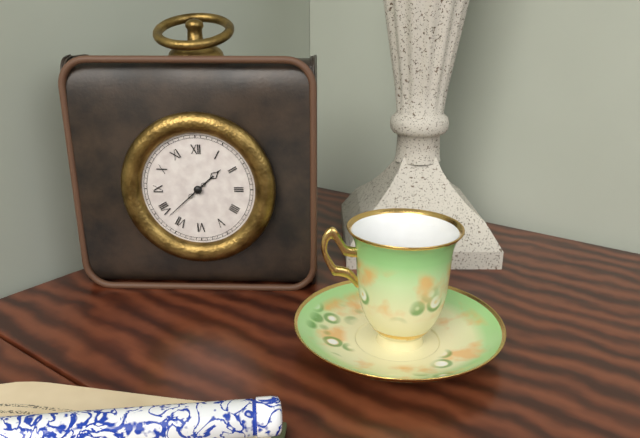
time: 1:38
